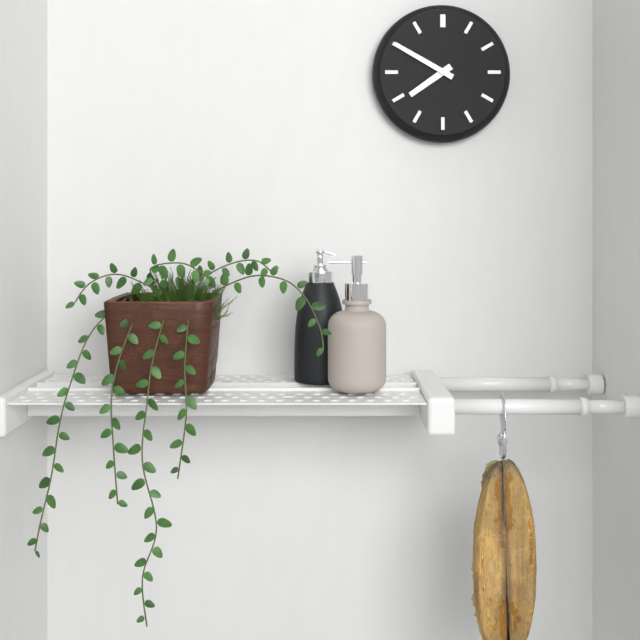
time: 7:50
